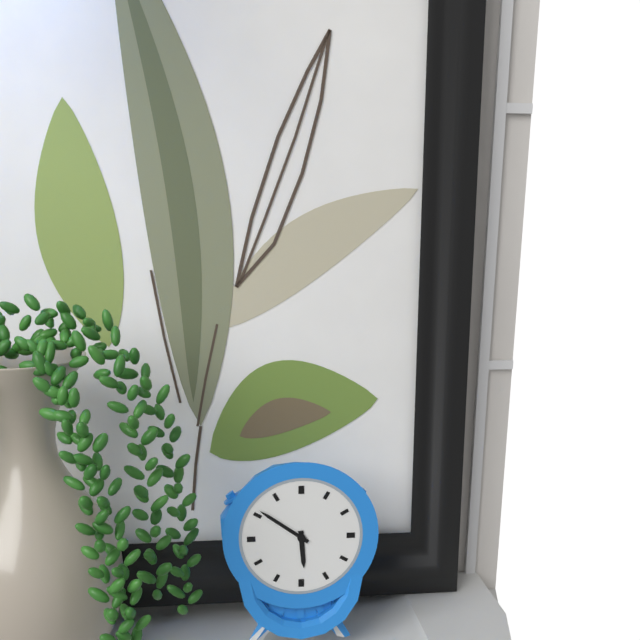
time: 5:51
